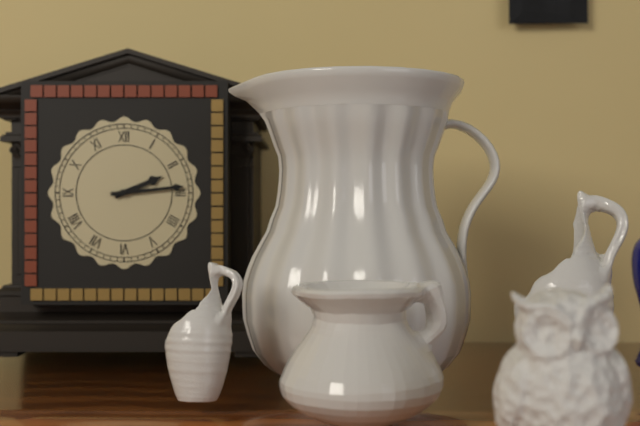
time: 2:14
